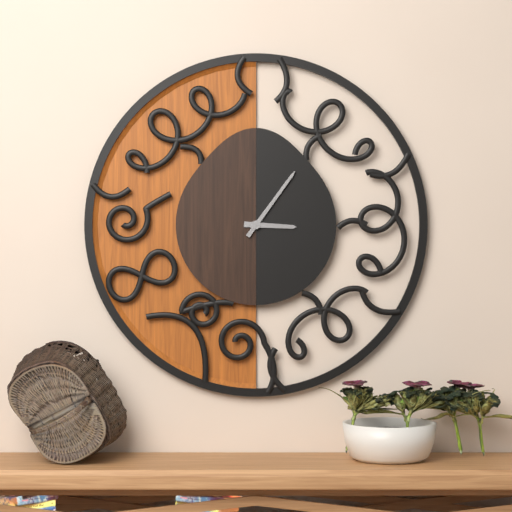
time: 3:06
